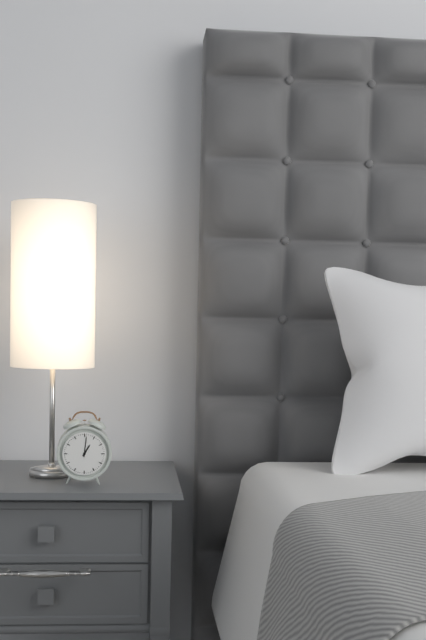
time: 1:01
